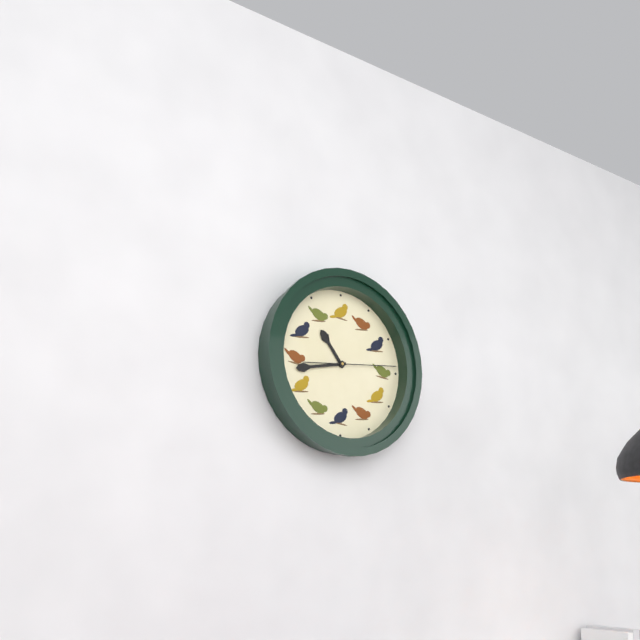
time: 10:43:14
